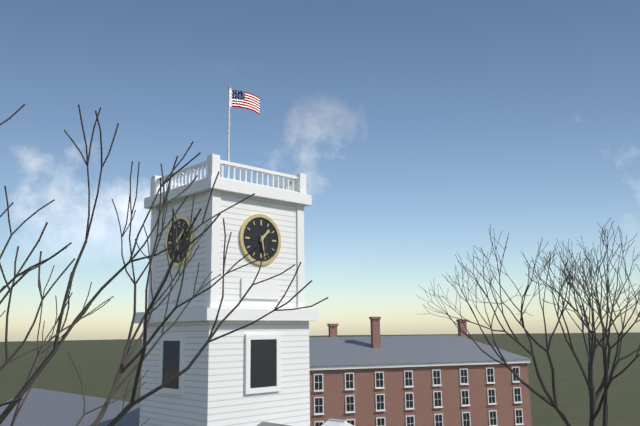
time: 1:28
